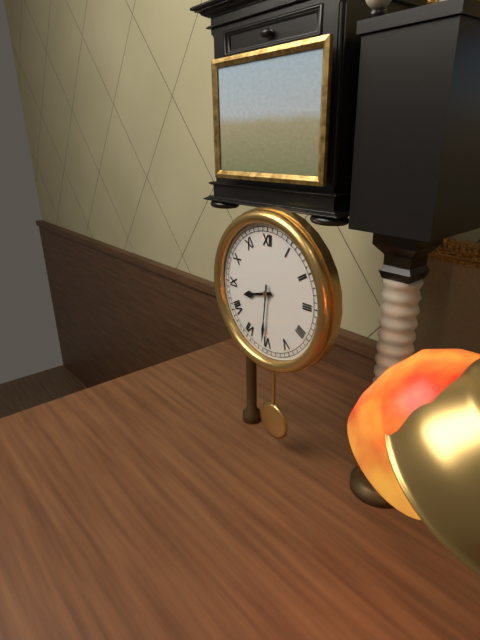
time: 8:31
